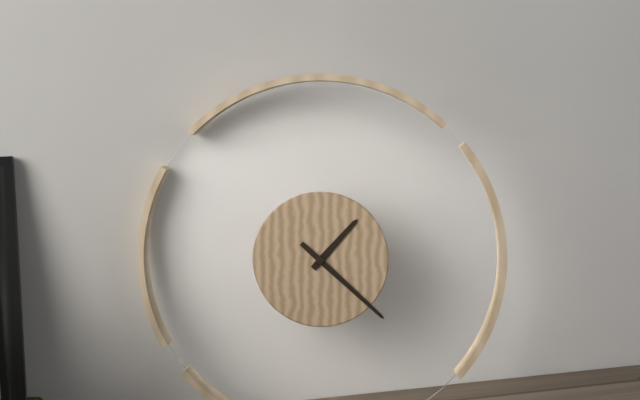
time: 1:22
